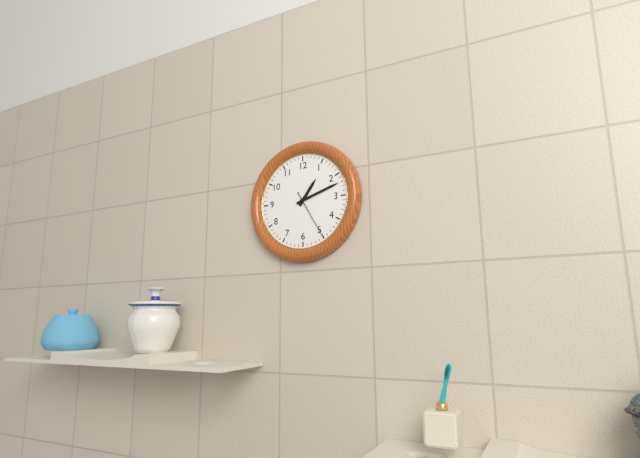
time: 1:12:25
